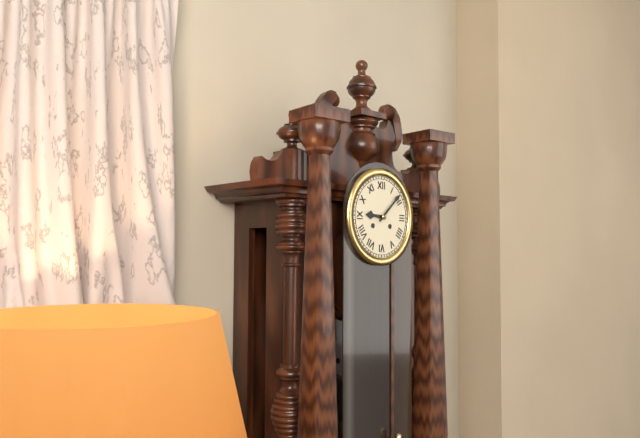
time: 9:08
